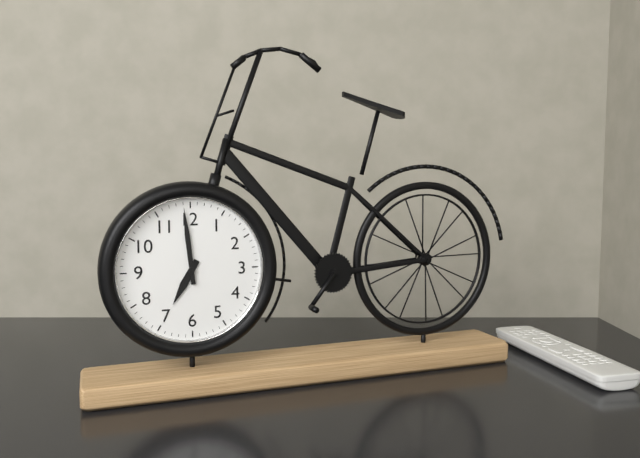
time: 6:59
